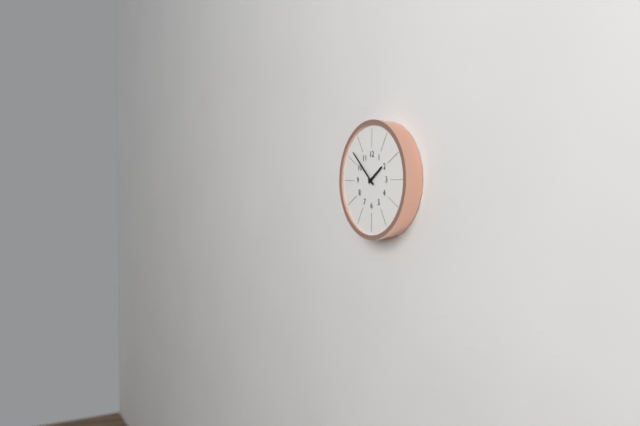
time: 1:52
